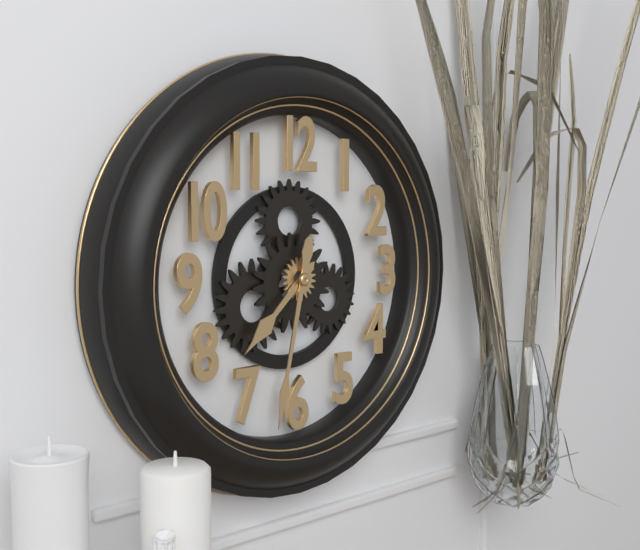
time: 7:32
